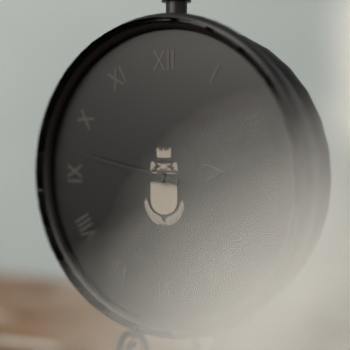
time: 2:47
